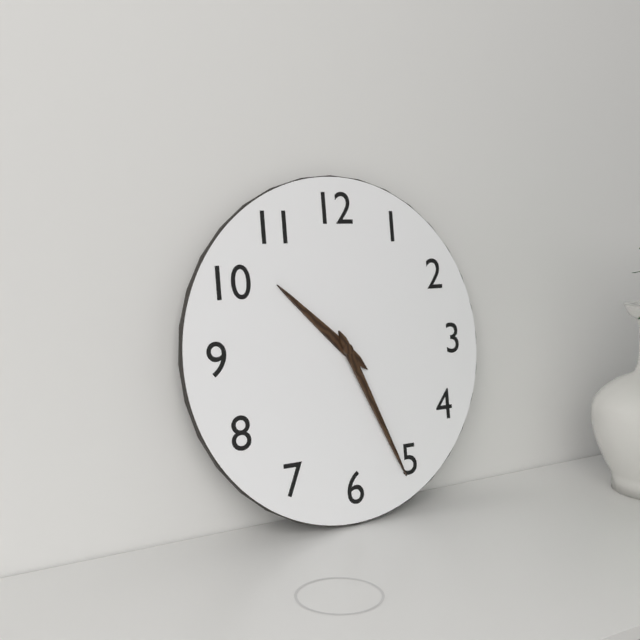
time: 10:26
